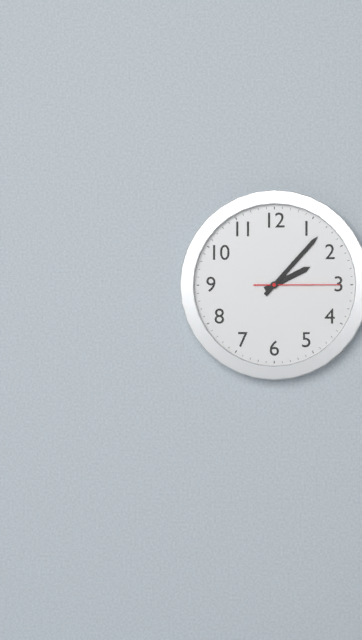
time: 2:07:15
